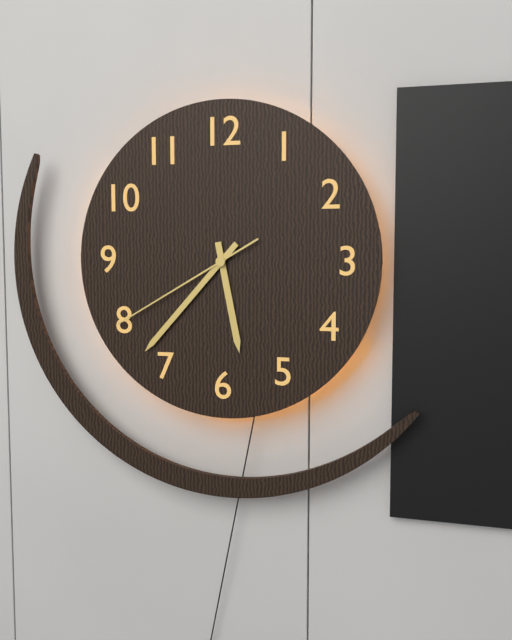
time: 5:37:40
